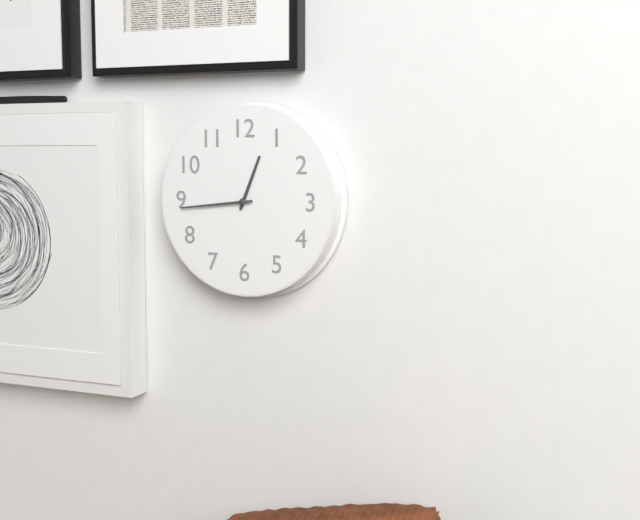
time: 12:44
